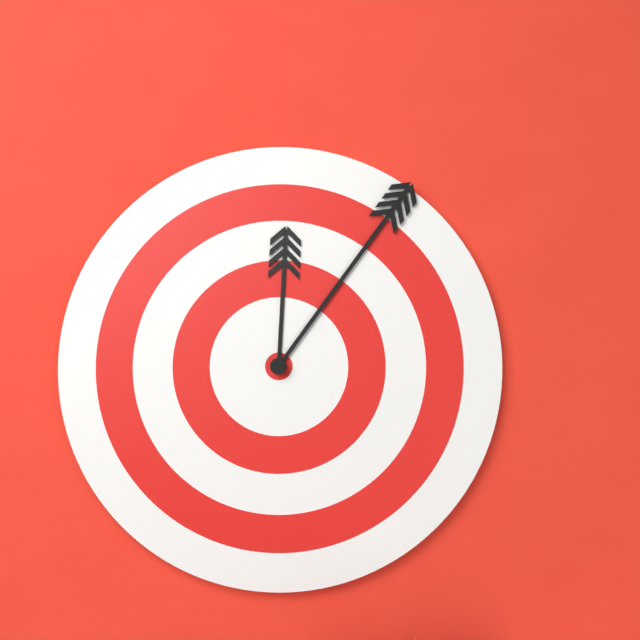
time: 12:06
